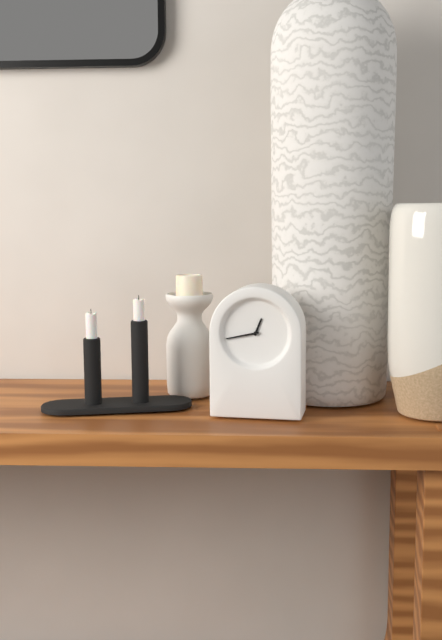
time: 12:43
